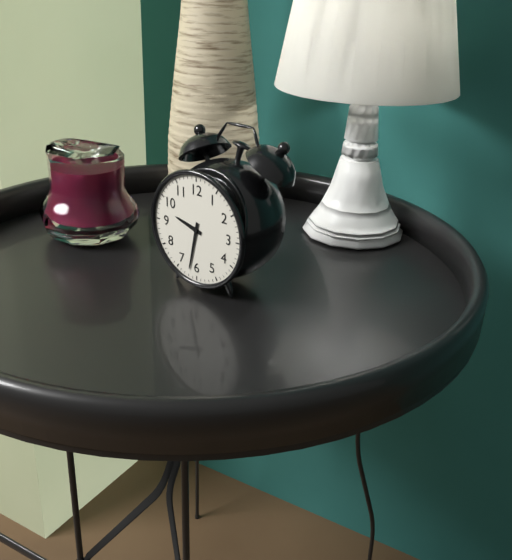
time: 9:32
